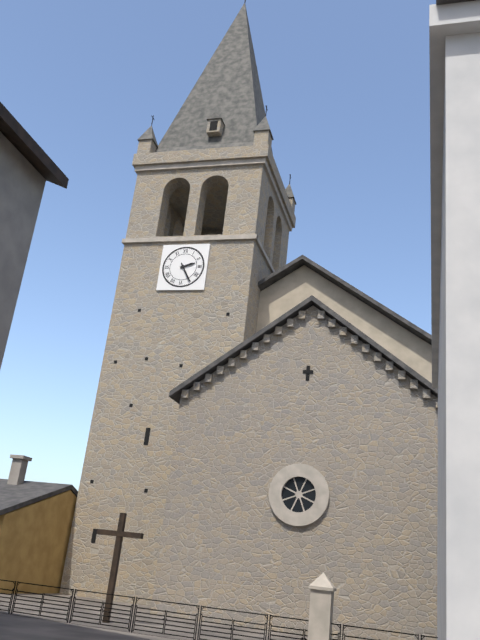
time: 2:25
